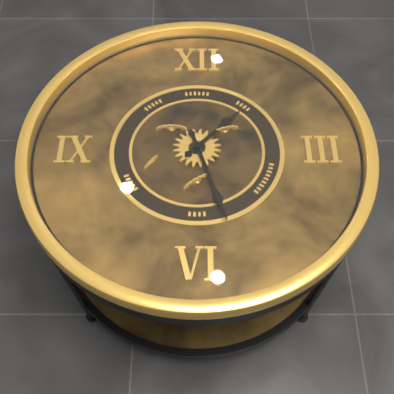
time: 1:27
